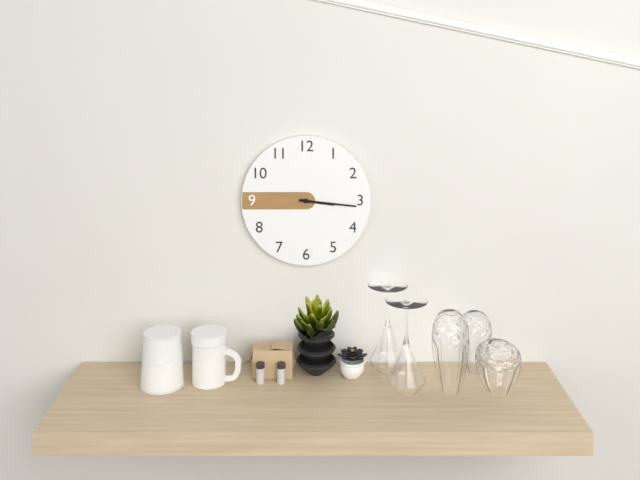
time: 3:16
